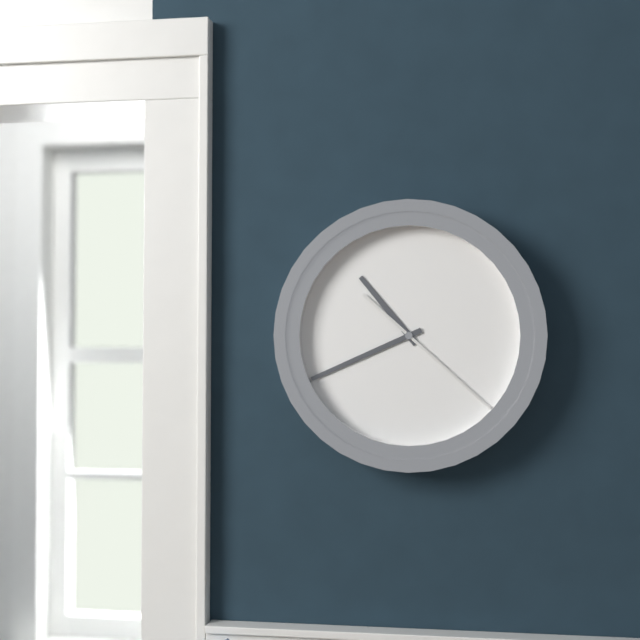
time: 10:41:22
